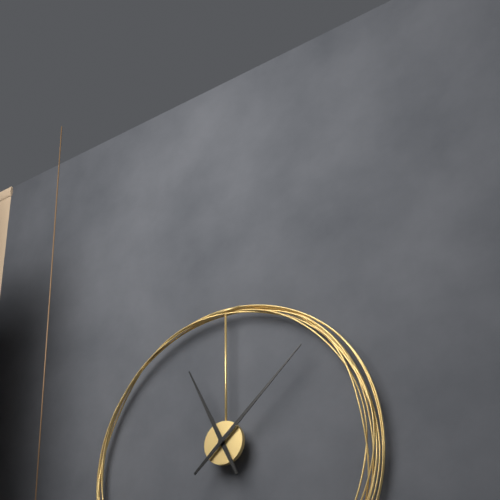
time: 11:08
